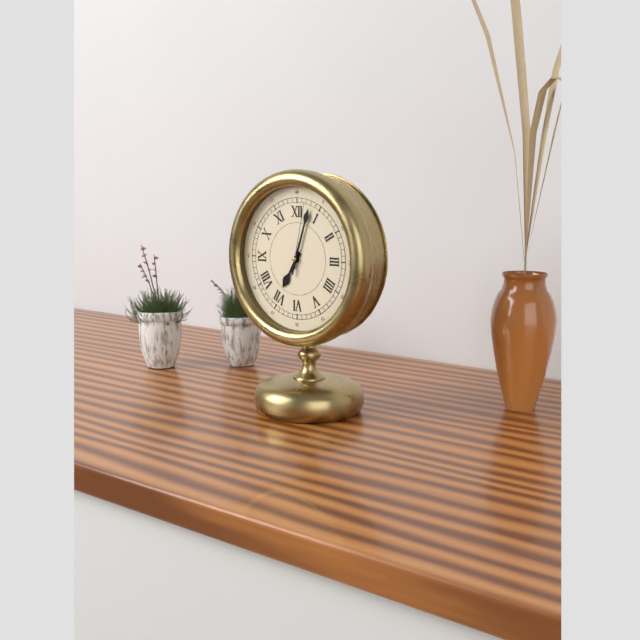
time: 7:03:02
